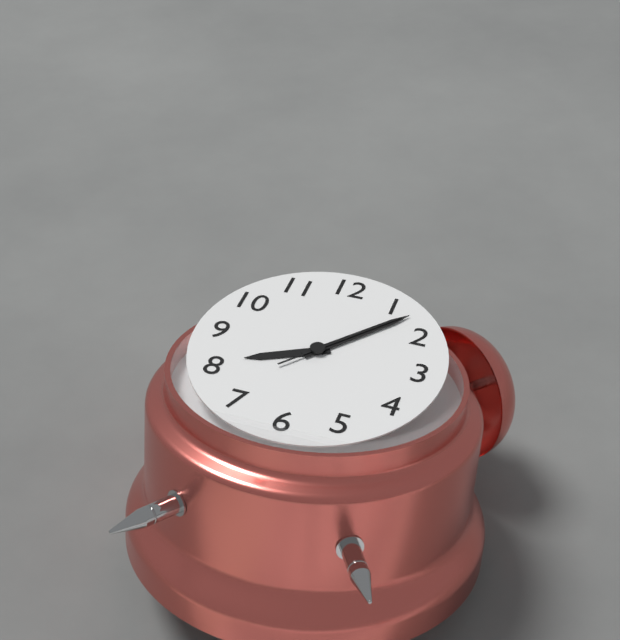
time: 8:07:07
